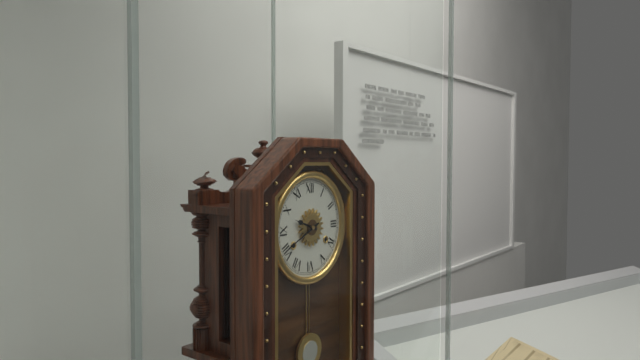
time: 9:41
